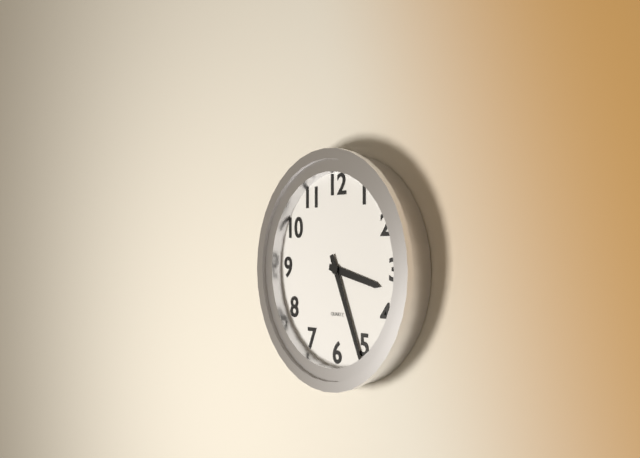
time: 3:26
